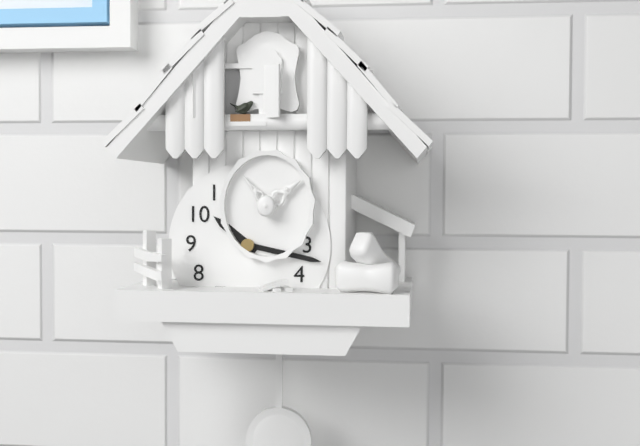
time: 10:17
